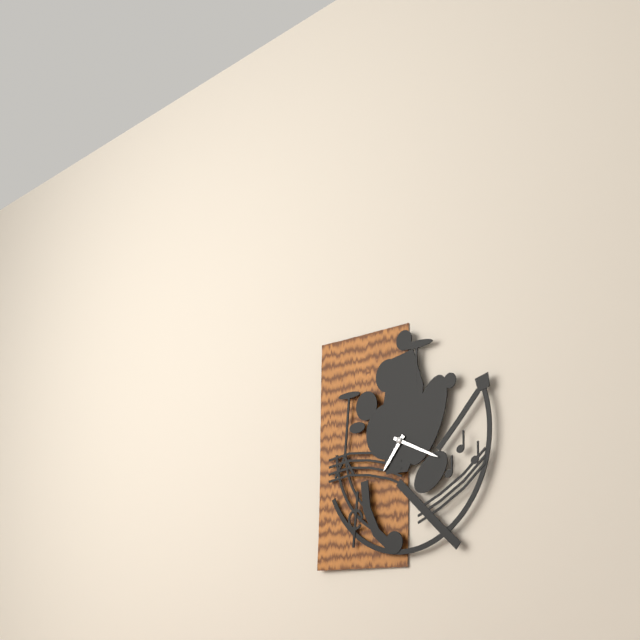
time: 7:19
